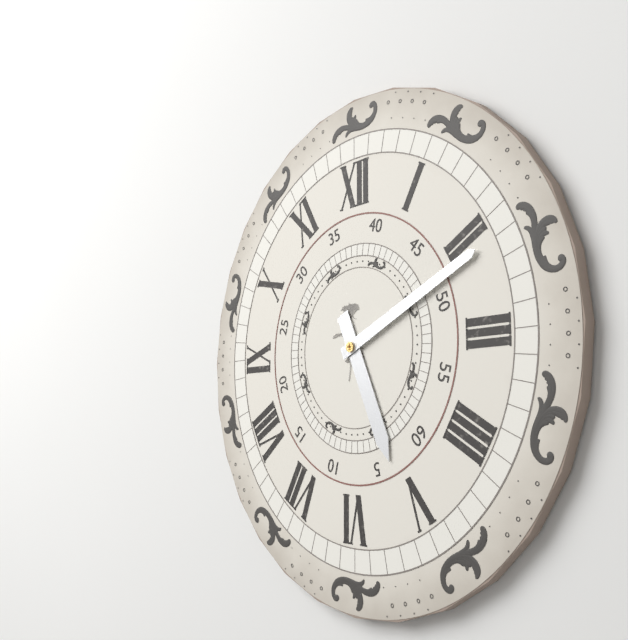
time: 5:11
